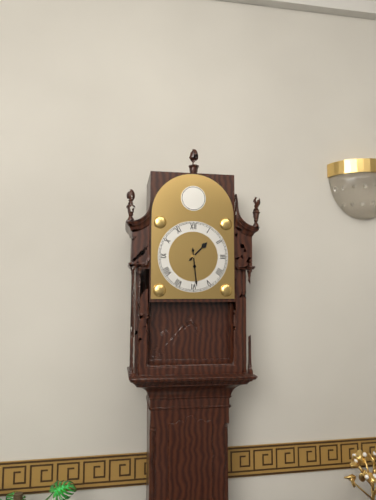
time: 1:29
